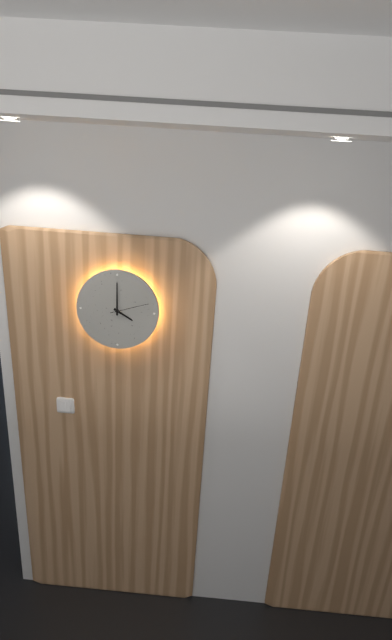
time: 4:00
